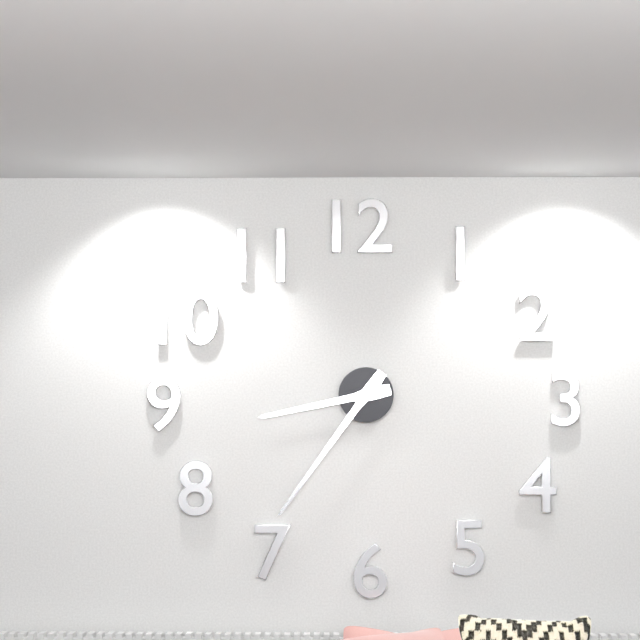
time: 8:36
